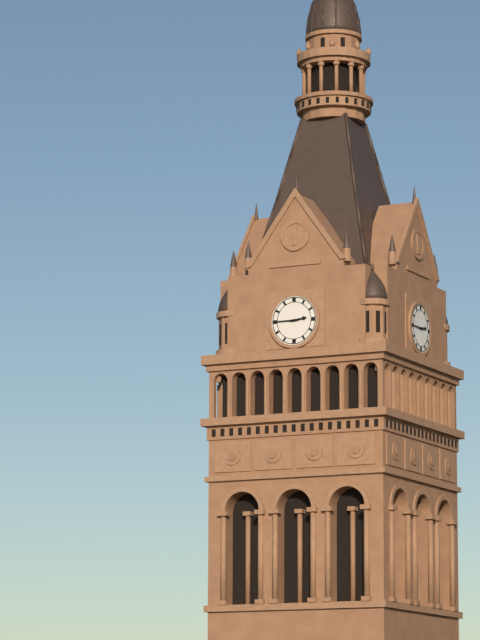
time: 2:45
